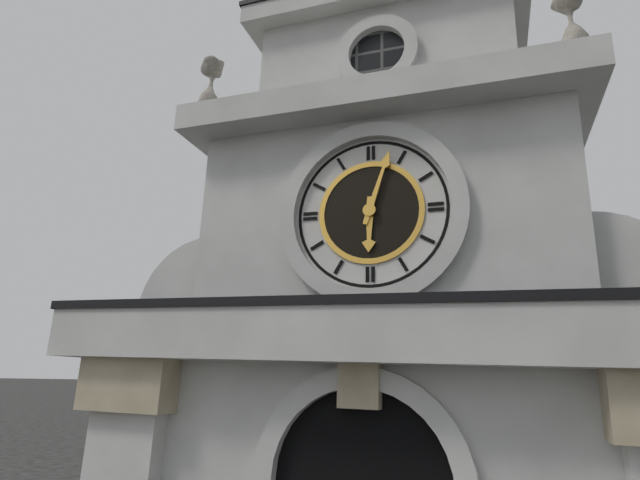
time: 6:03
